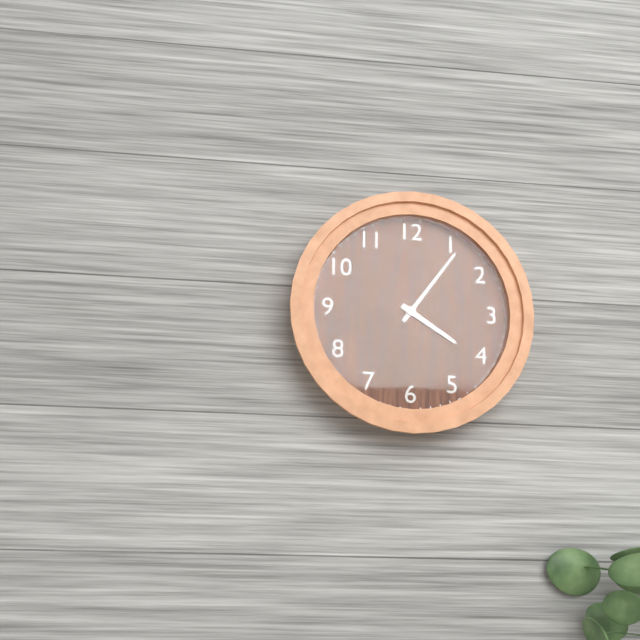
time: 4:06
